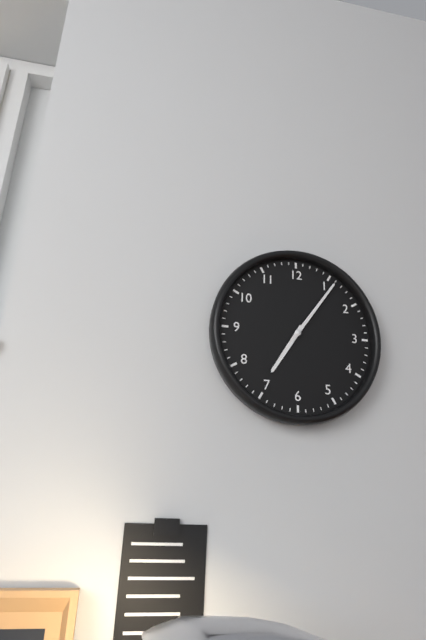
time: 7:06
